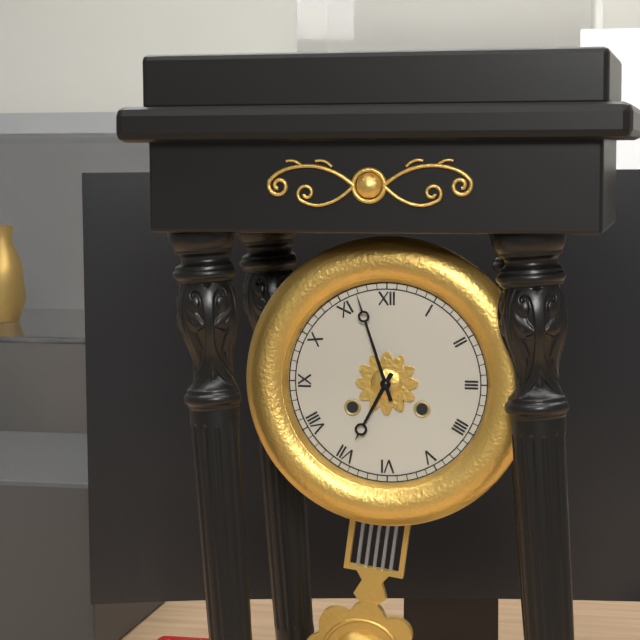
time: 6:57
